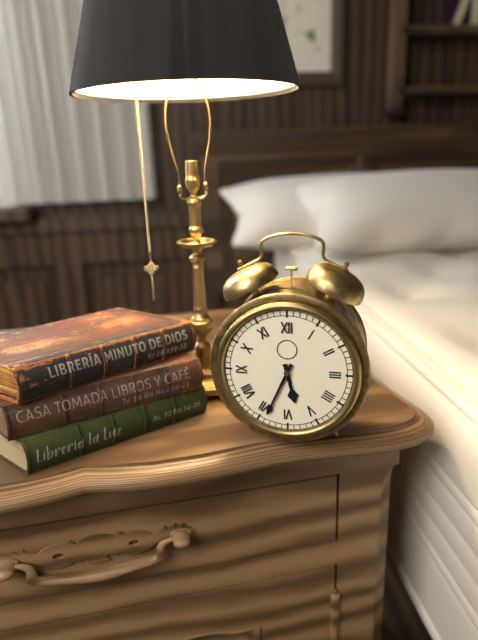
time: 5:34
